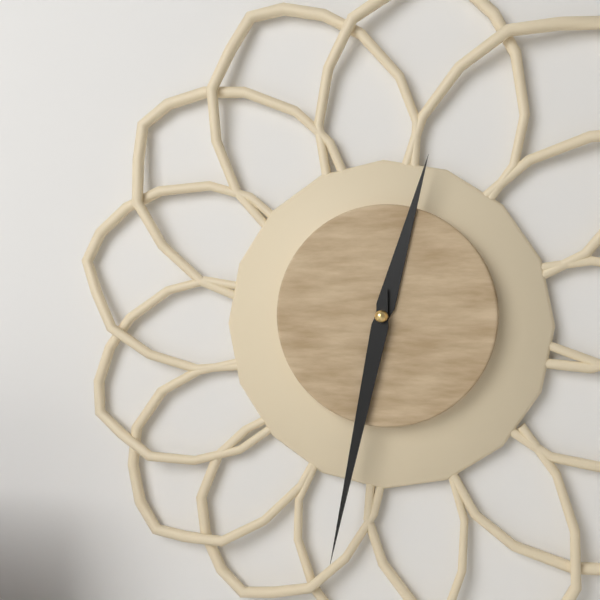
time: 12:32
